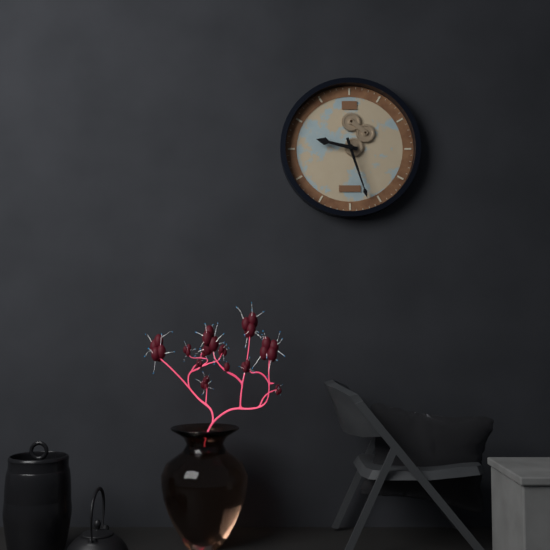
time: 9:27
